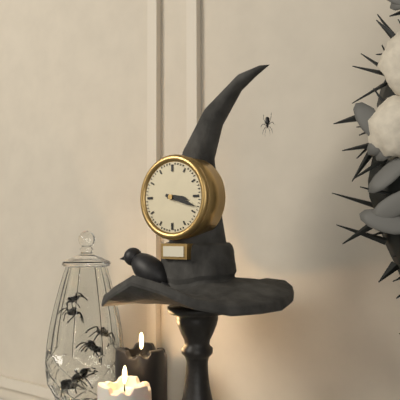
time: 3:18
